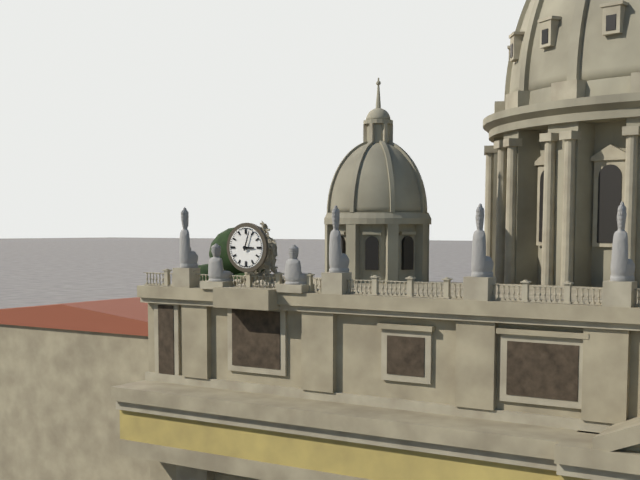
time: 3:03
